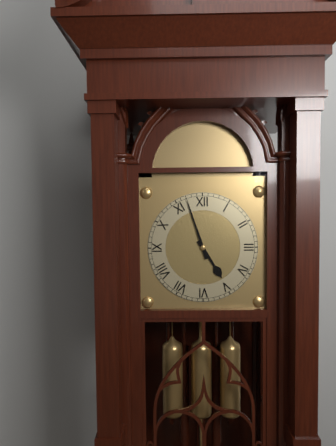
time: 4:57
